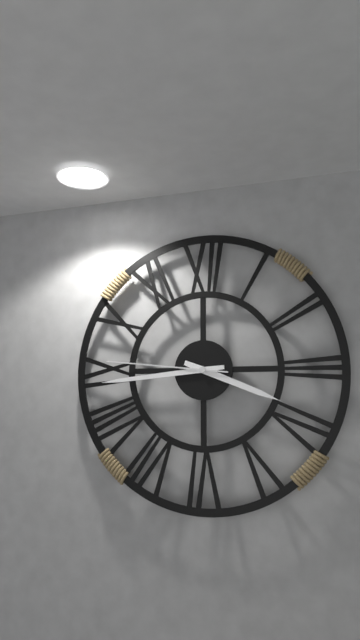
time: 3:44:46
